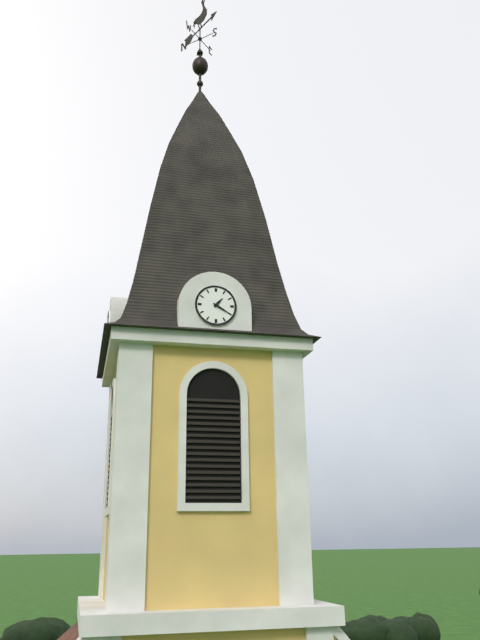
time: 1:20
